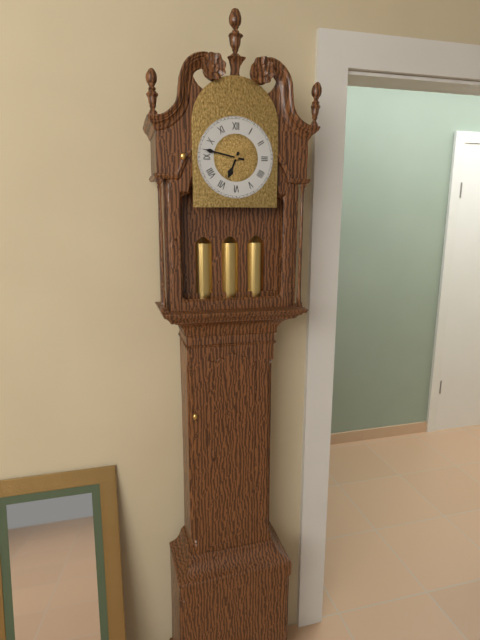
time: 6:47
